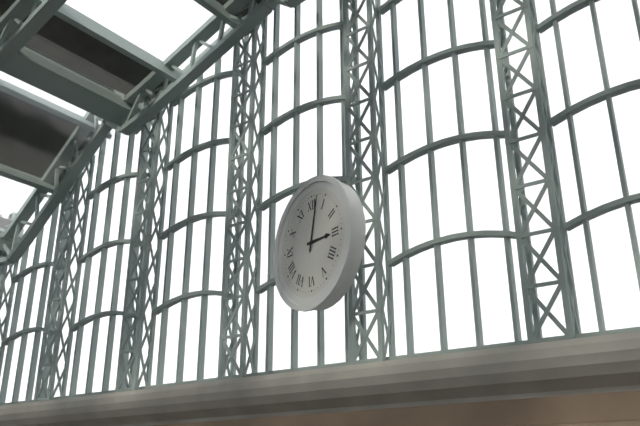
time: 3:02
